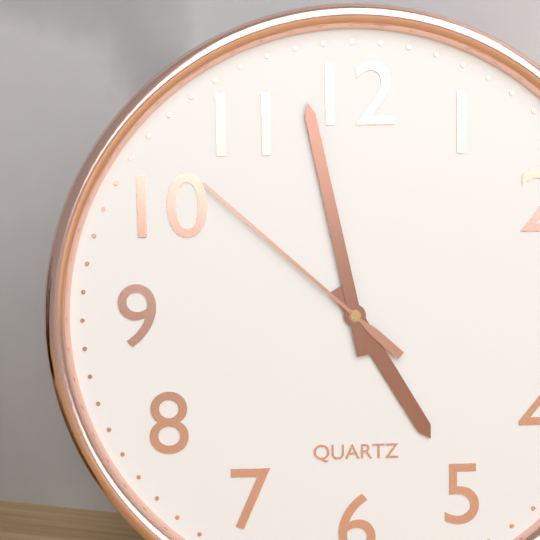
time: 4:58:52
